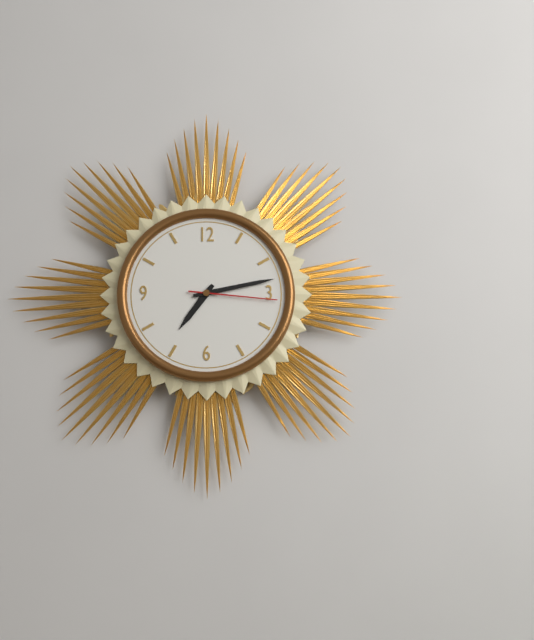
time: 7:13:16
